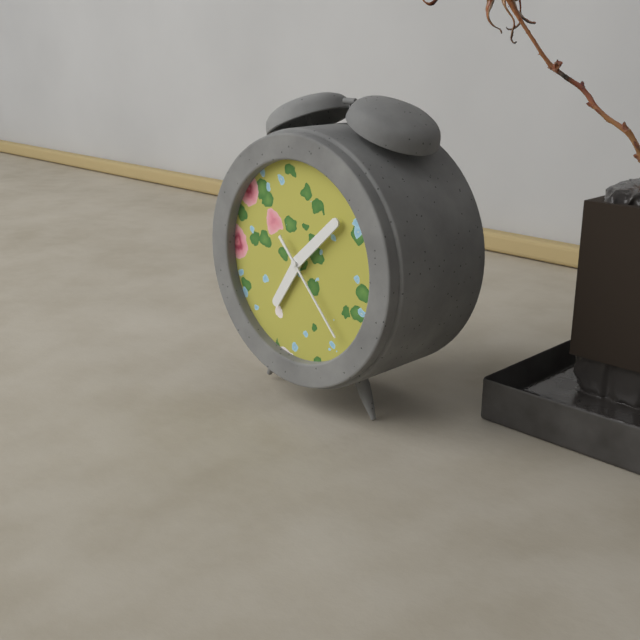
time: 7:08:23
